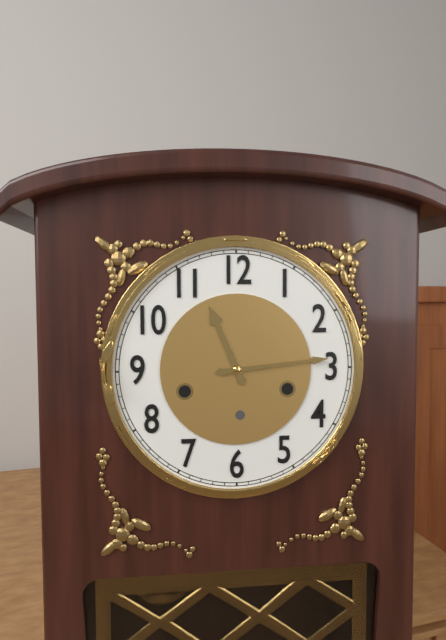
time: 11:14
